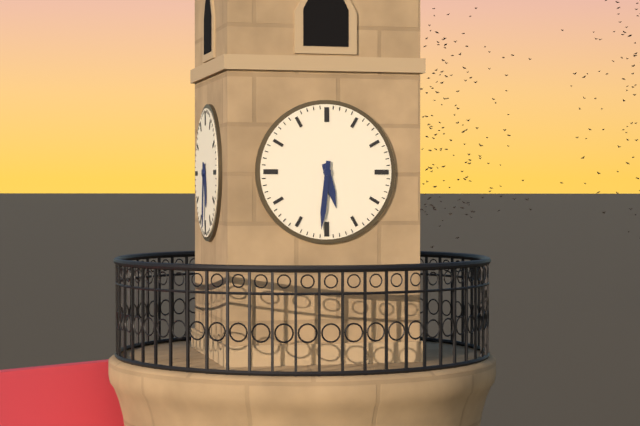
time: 5:31
